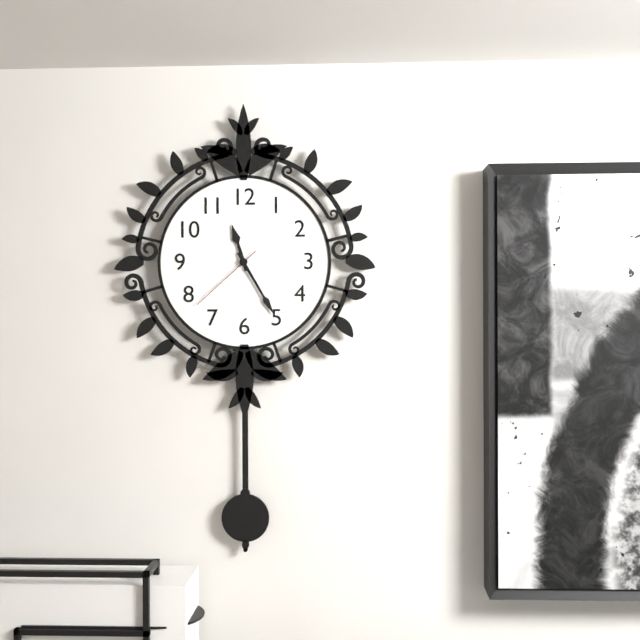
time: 11:25:38
